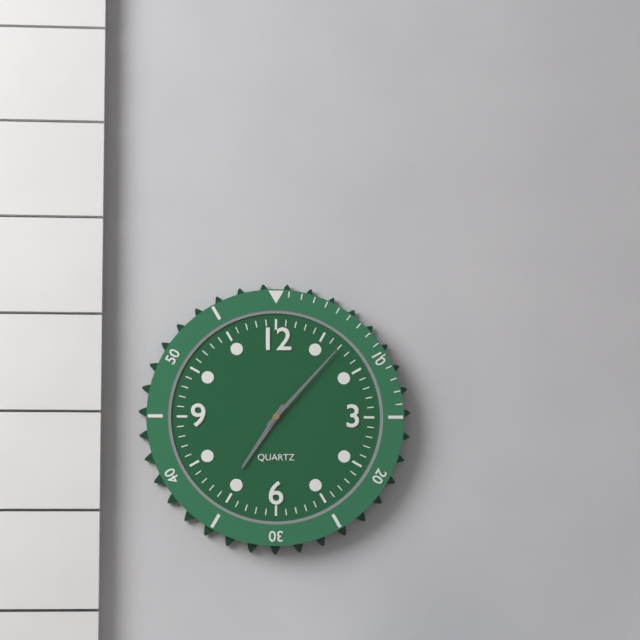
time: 7:07
